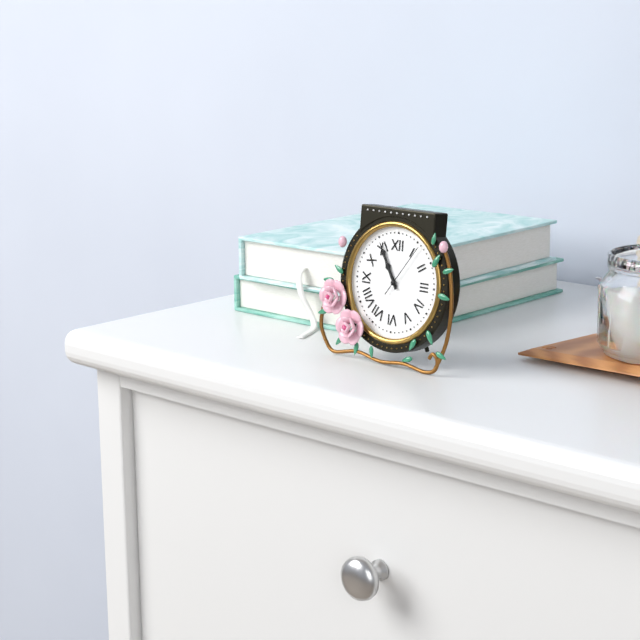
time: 10:55:06
